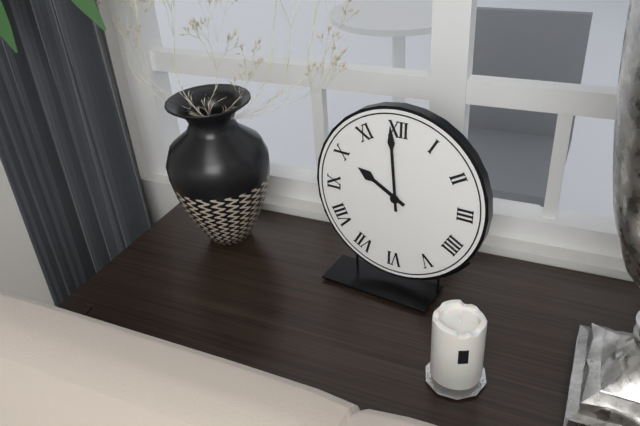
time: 9:59
